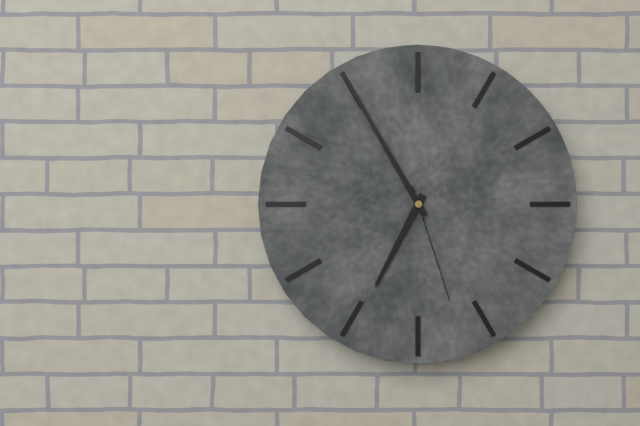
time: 6:55:27
